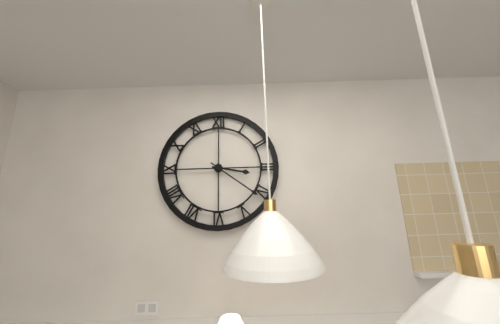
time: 3:21
